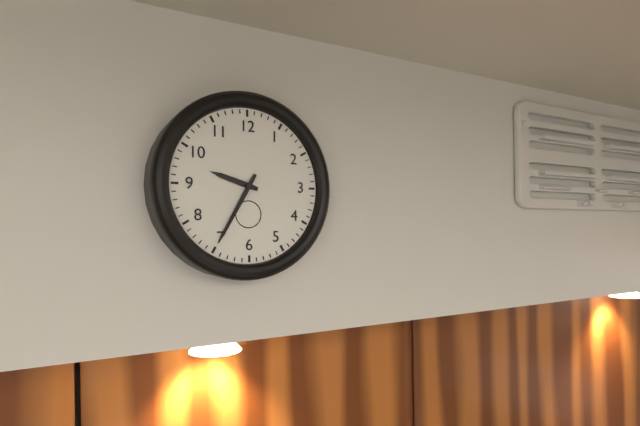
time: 9:35
